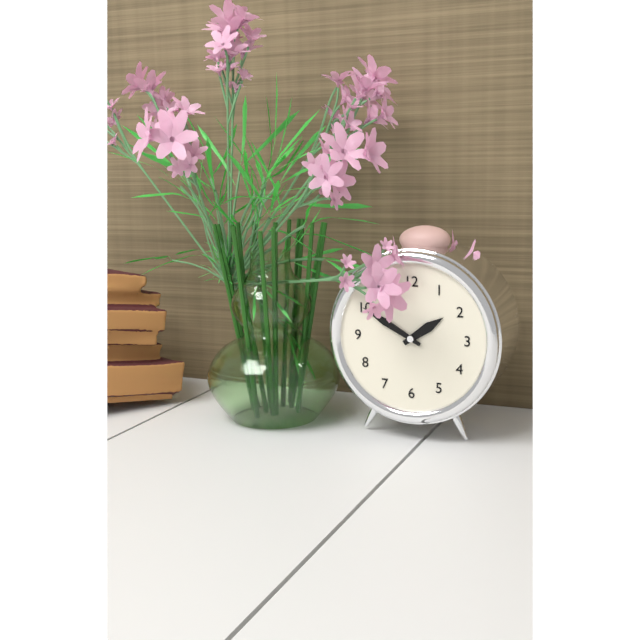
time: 1:50
